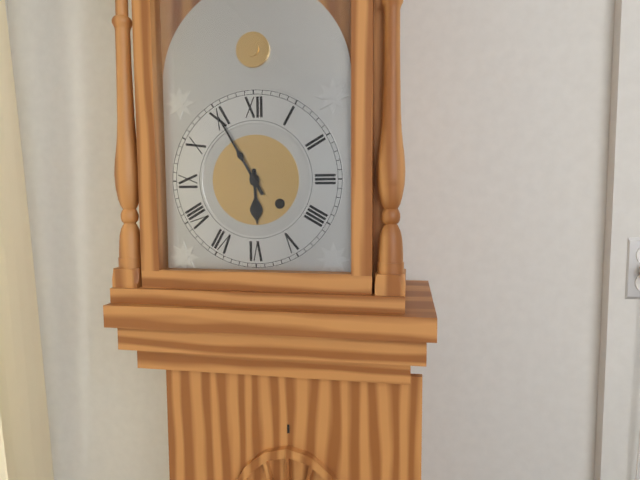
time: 5:55
